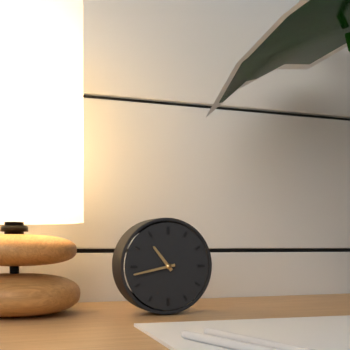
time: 10:43
